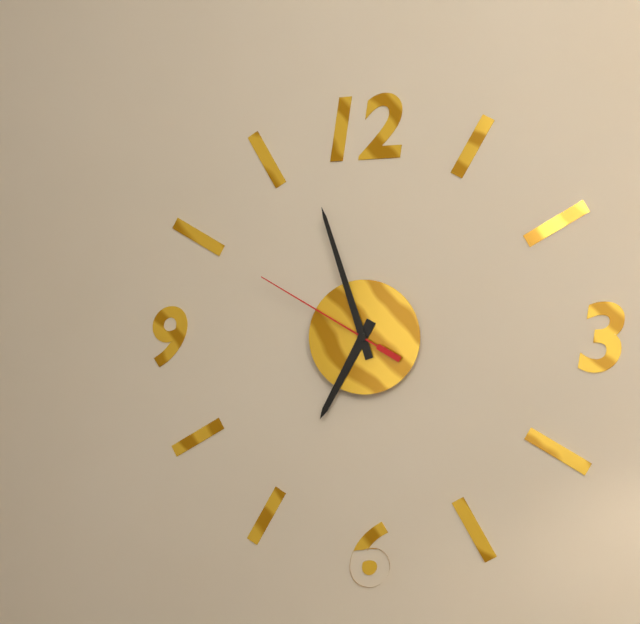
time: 6:57:50
